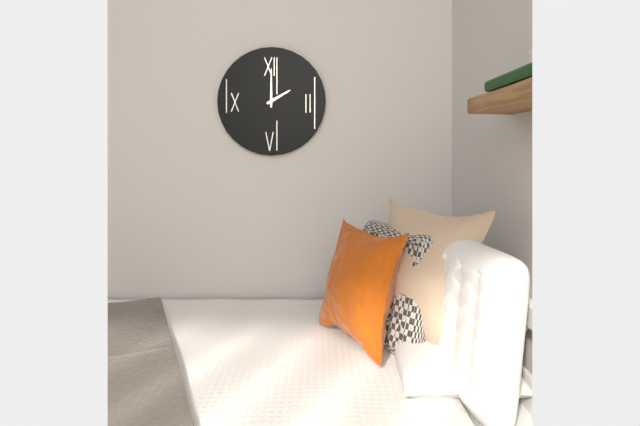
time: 2:00
